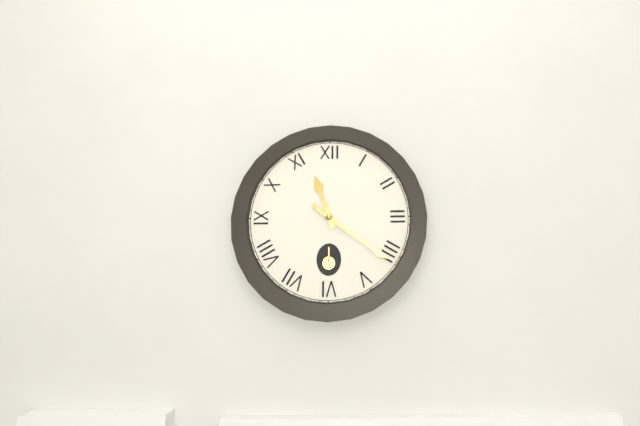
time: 11:21
